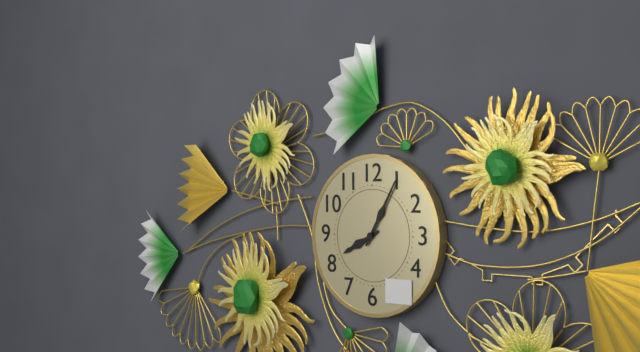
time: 8:05
